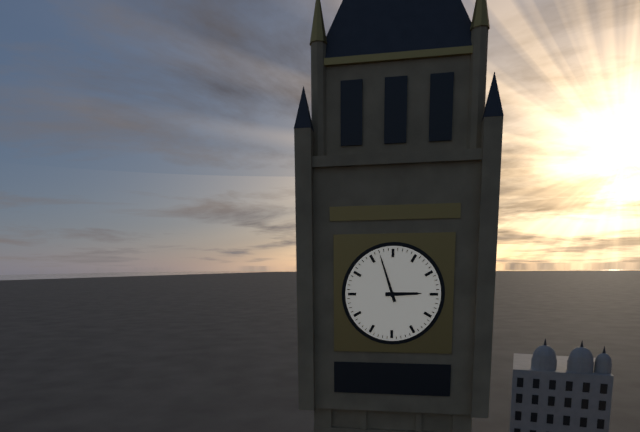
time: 2:57
